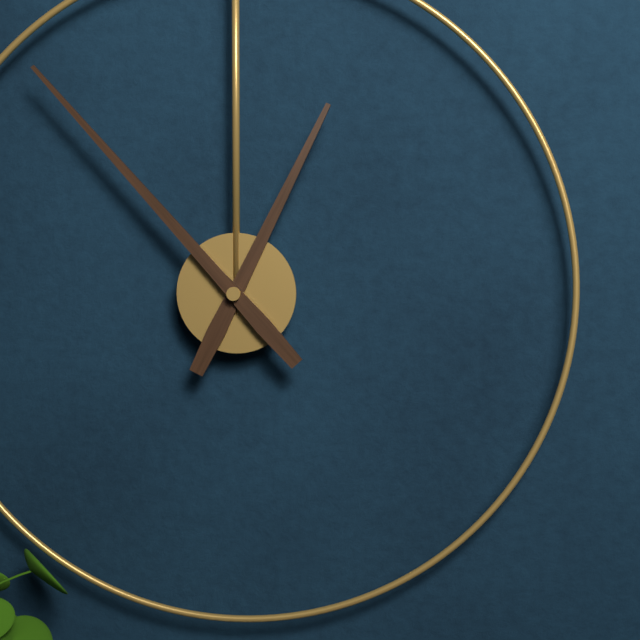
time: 12:53
